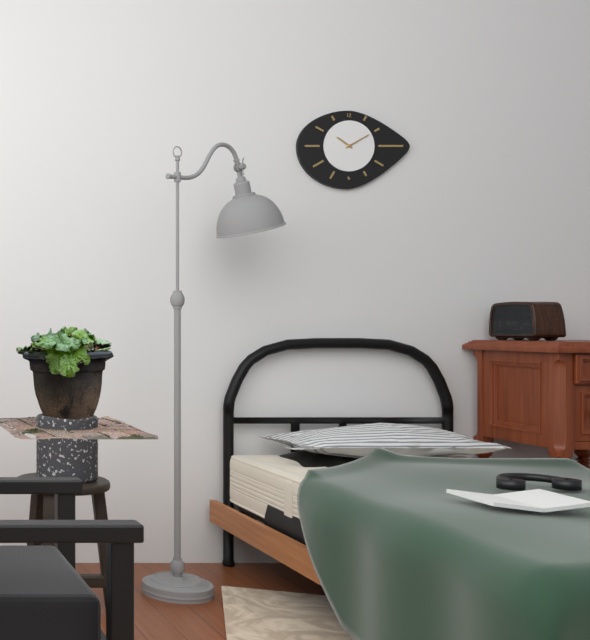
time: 10:10
